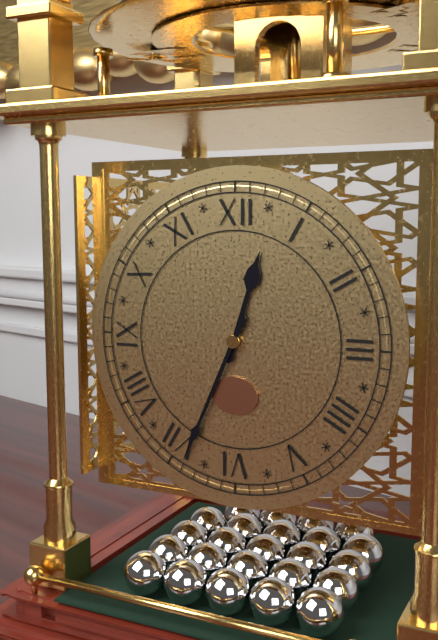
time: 12:34
